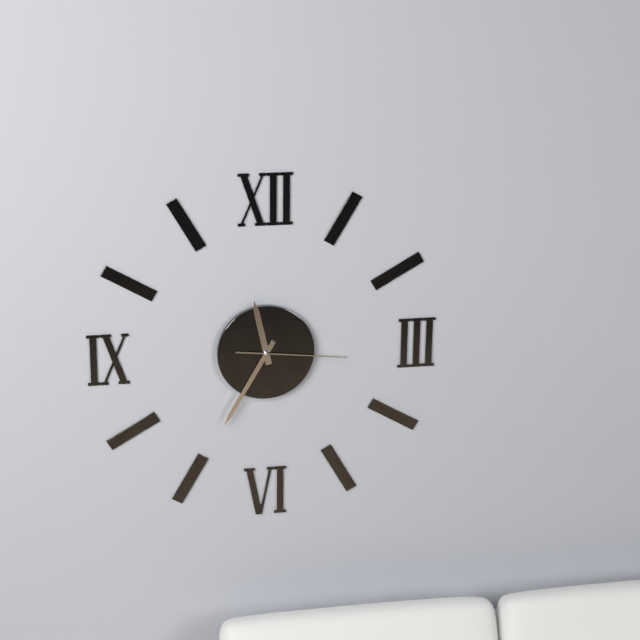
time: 11:35:16
